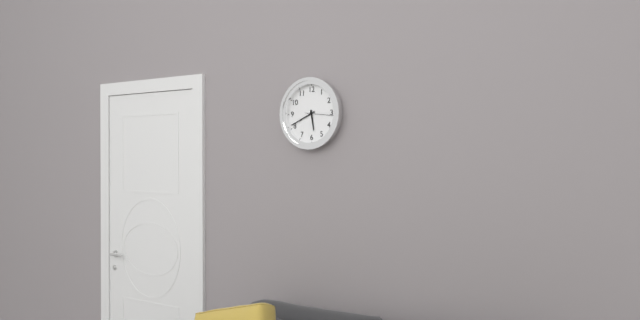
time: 5:41
